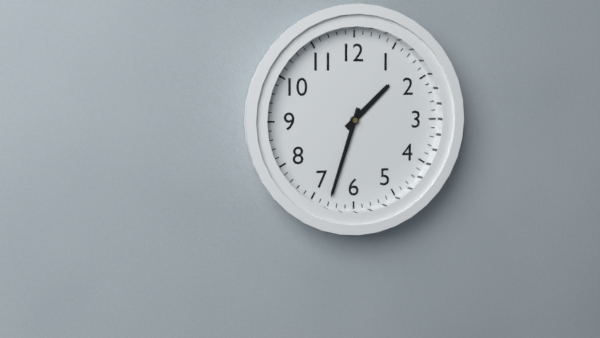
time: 1:33
